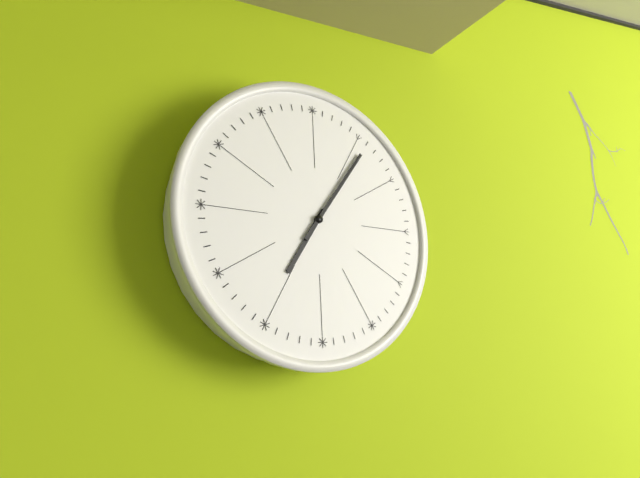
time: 7:06
